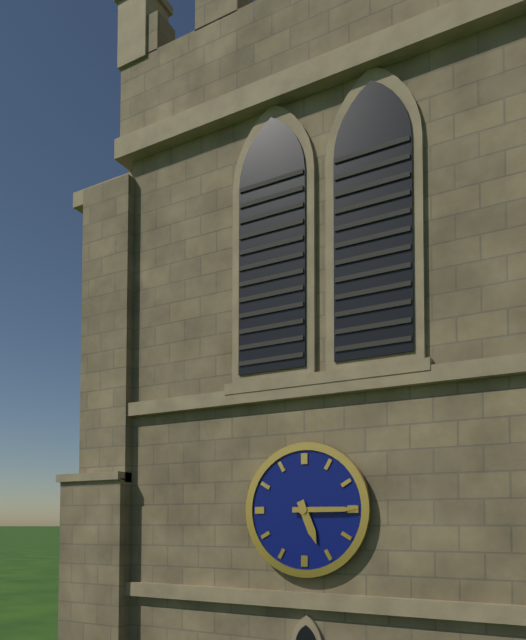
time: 5:15
